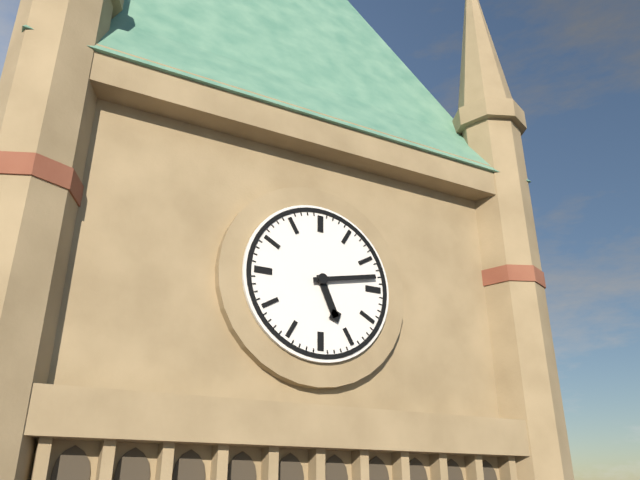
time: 5:13
